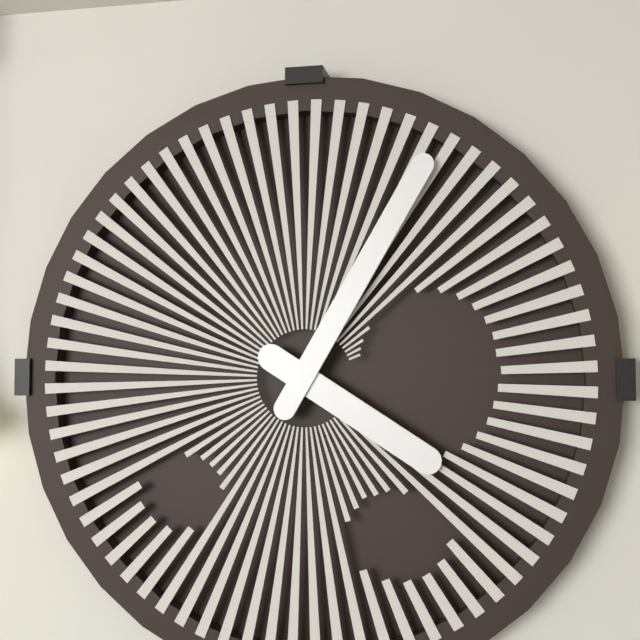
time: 4:05
